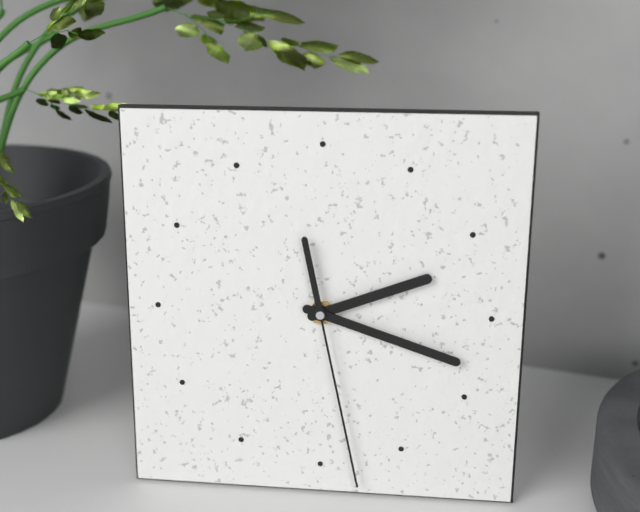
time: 2:18:28
